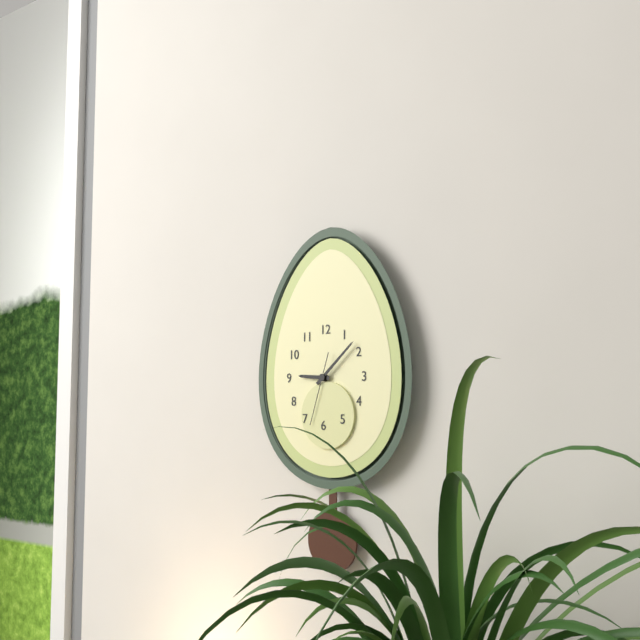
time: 9:08:33
